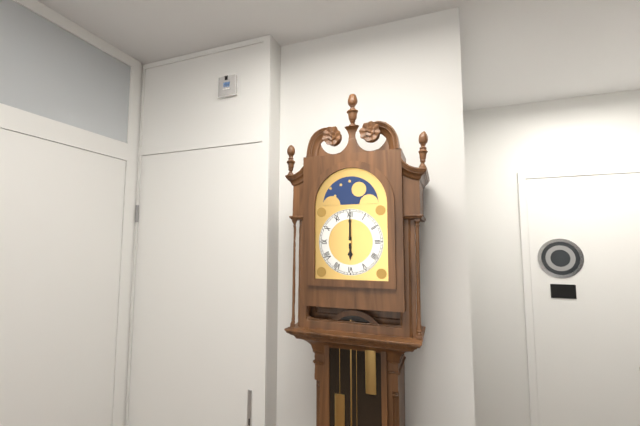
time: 6:00
